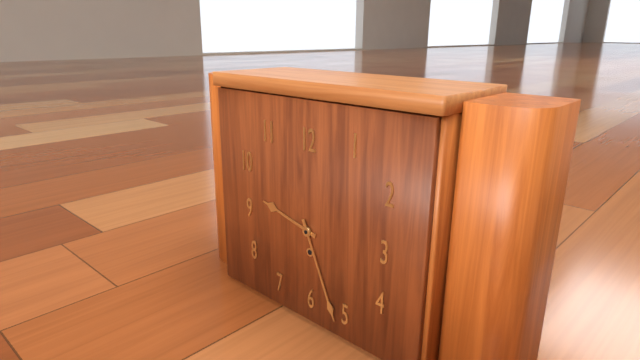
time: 9:26
